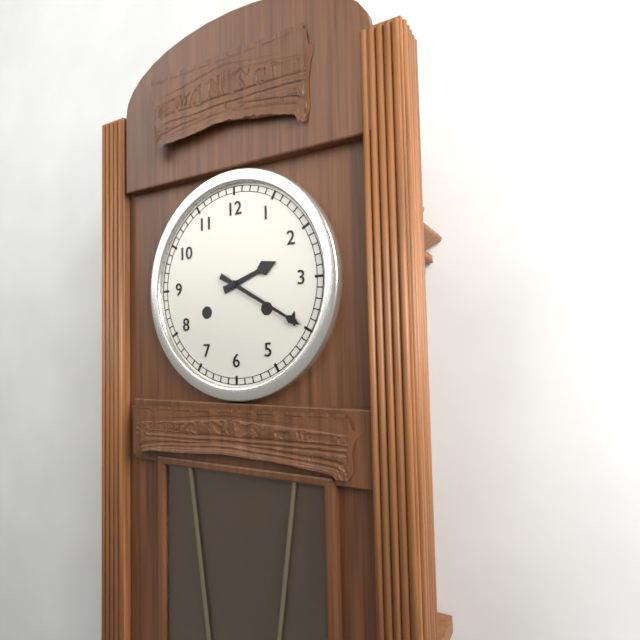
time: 2:20
